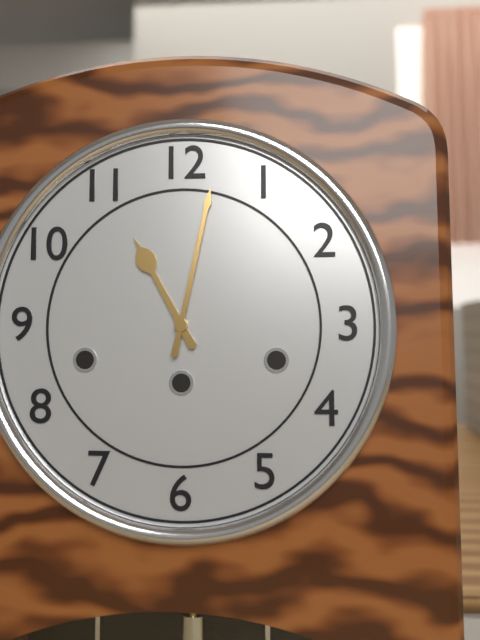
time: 11:02
